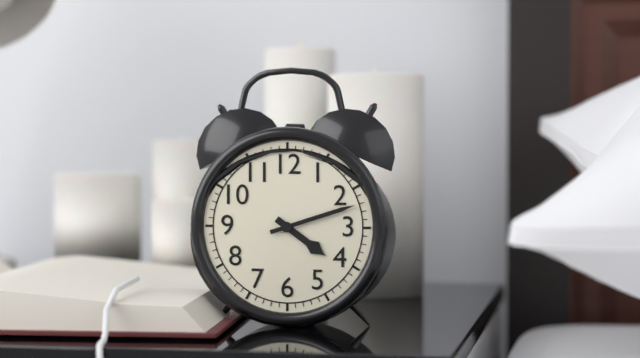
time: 4:12
